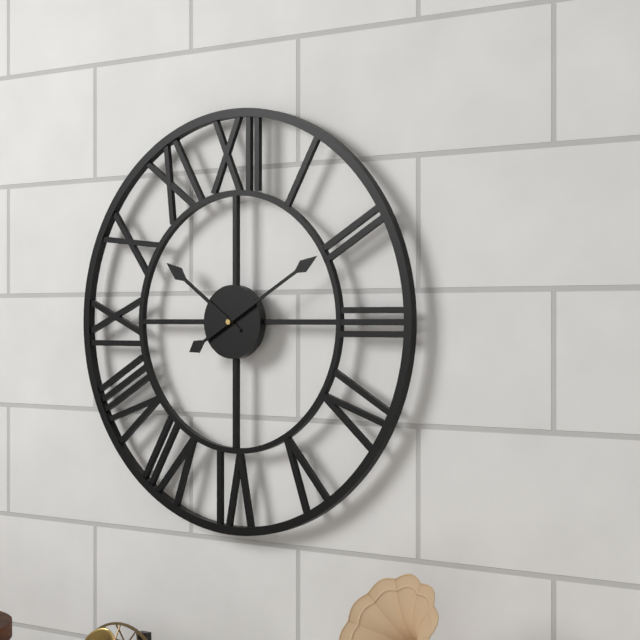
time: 10:10
